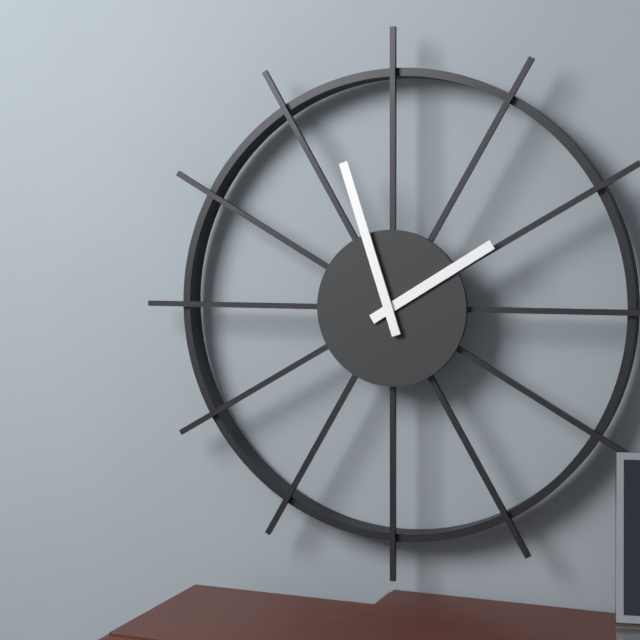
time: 1:57
